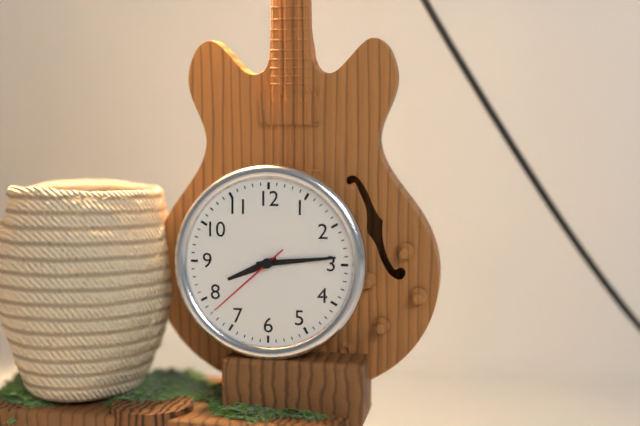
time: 8:14:38
